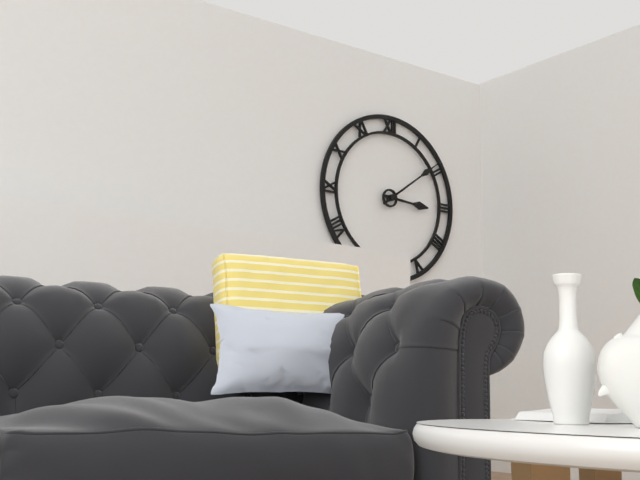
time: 3:09
